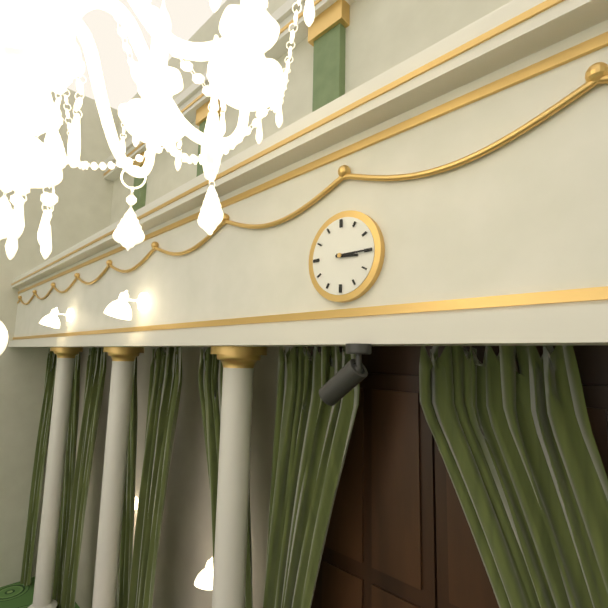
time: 3:15
